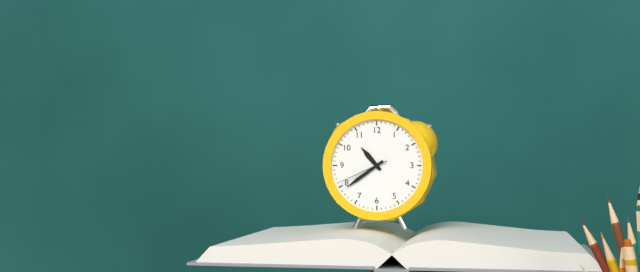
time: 10:39:41
